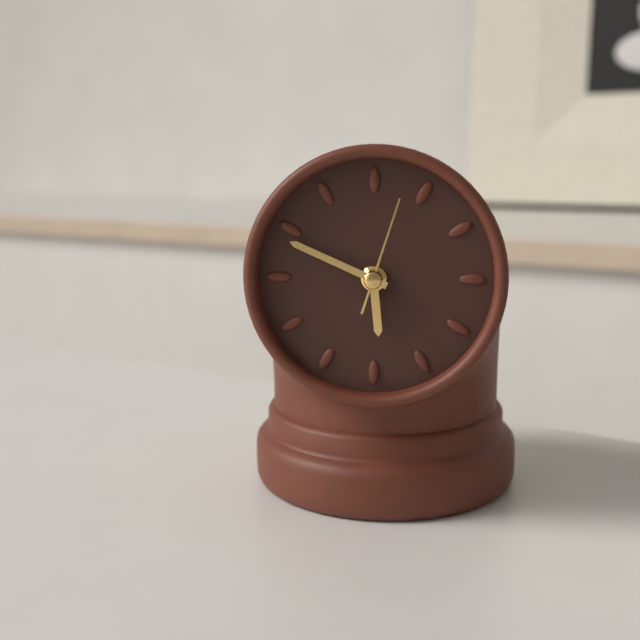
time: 5:49:03
